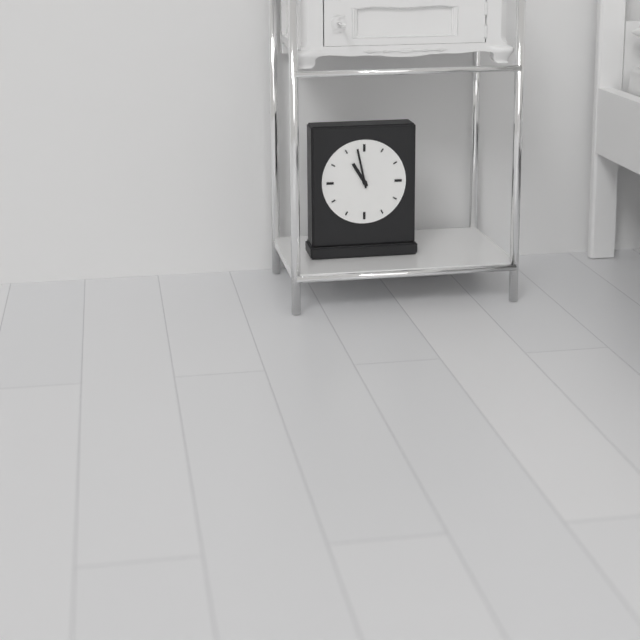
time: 10:58
